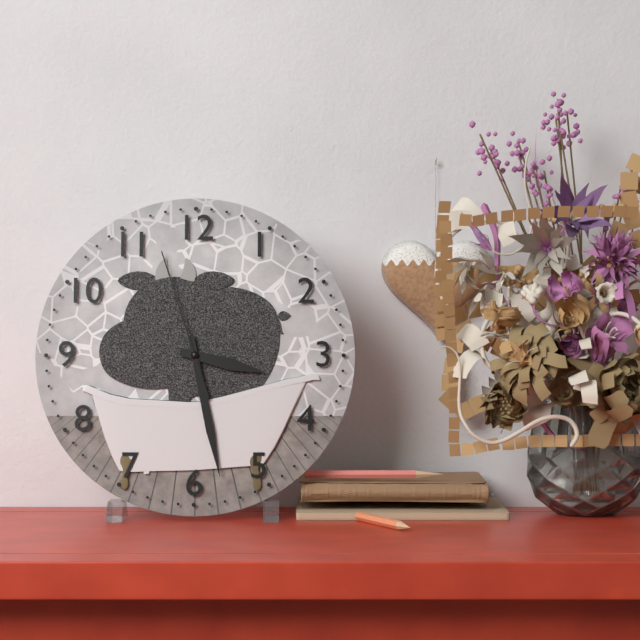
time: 3:28:57
